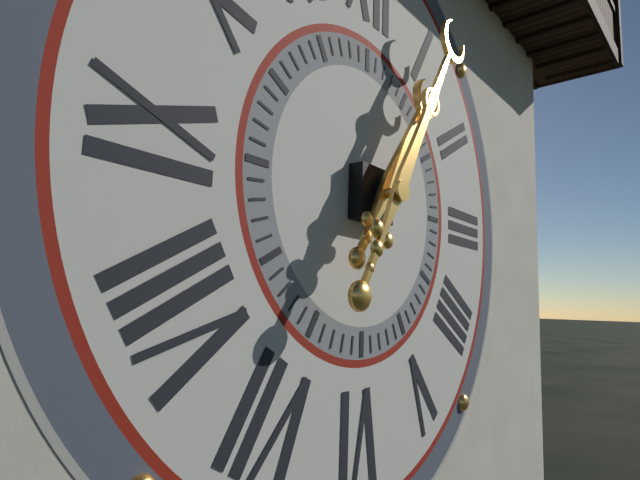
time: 1:05
